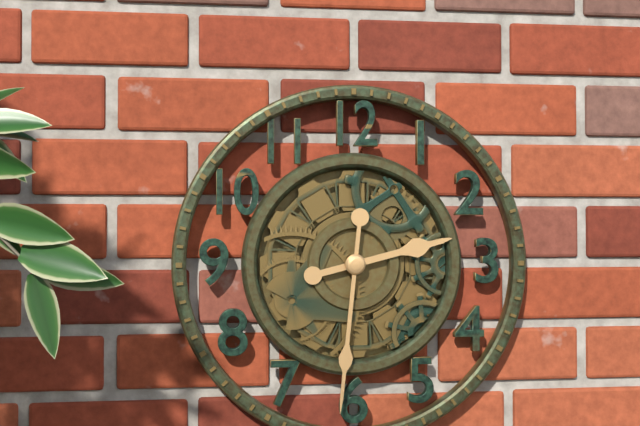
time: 2:31
